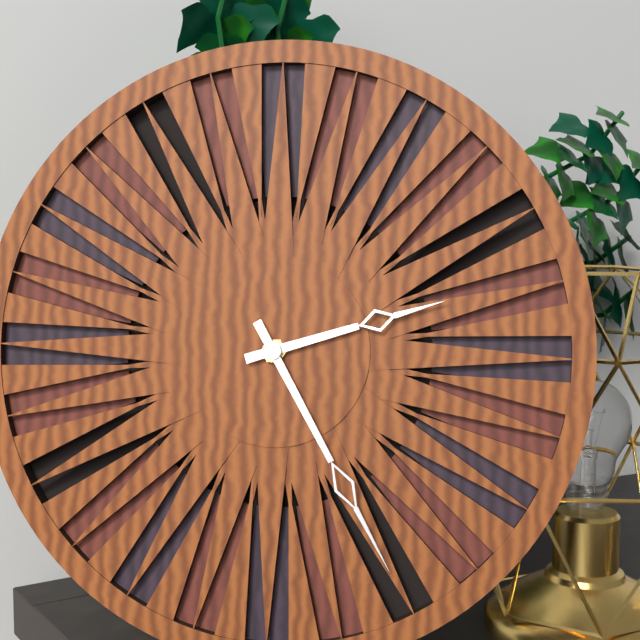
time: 2:25
